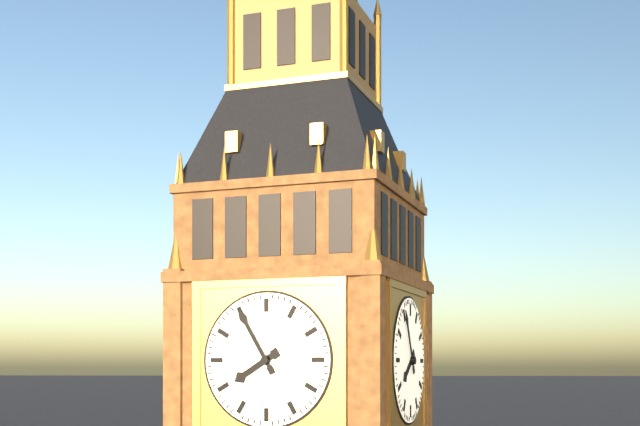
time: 7:55
